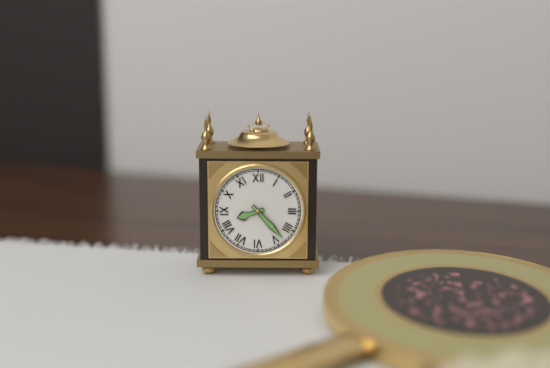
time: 8:23
